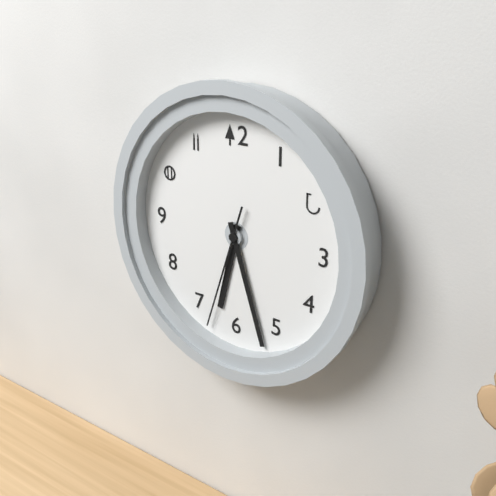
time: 6:27:33
